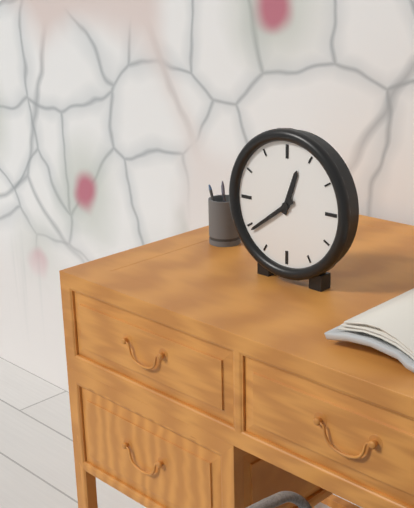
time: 12:39
